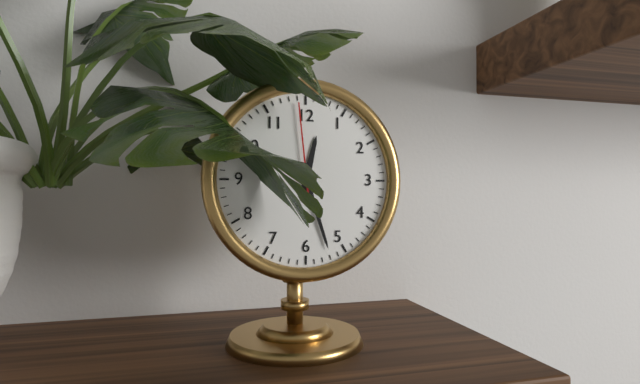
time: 12:27:59
